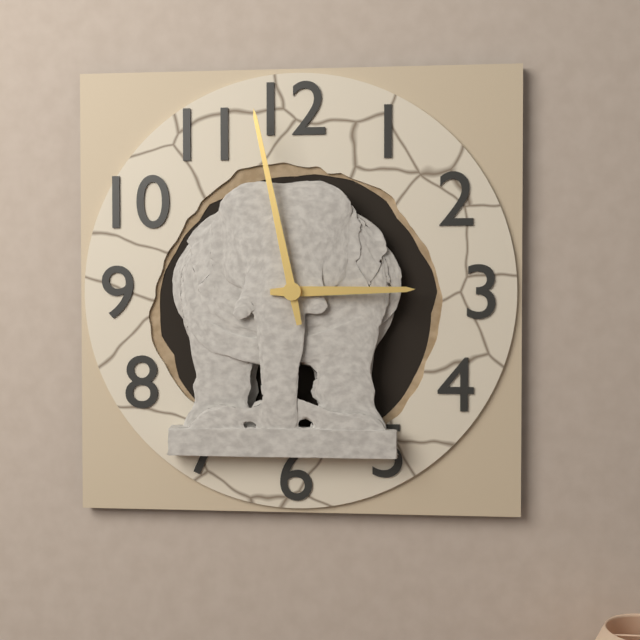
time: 2:58
